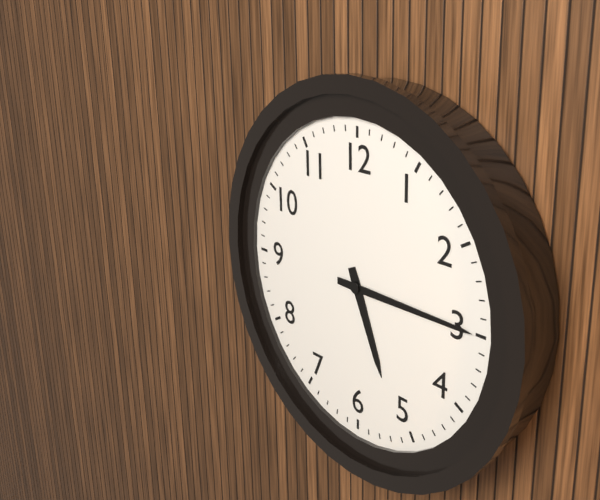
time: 5:15
